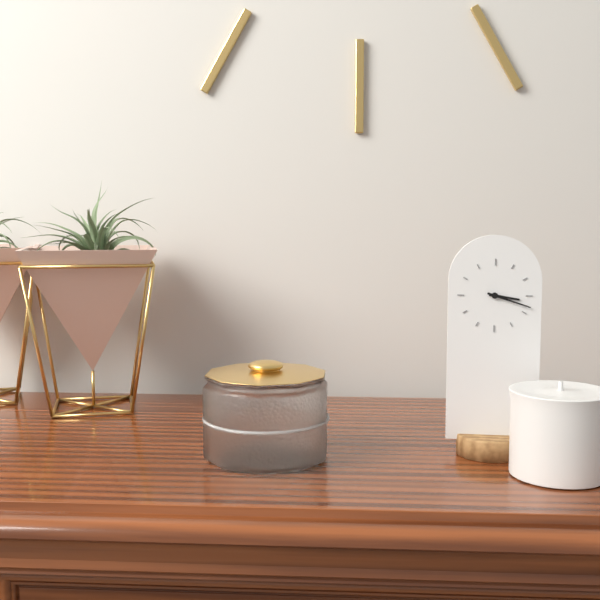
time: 3:18
